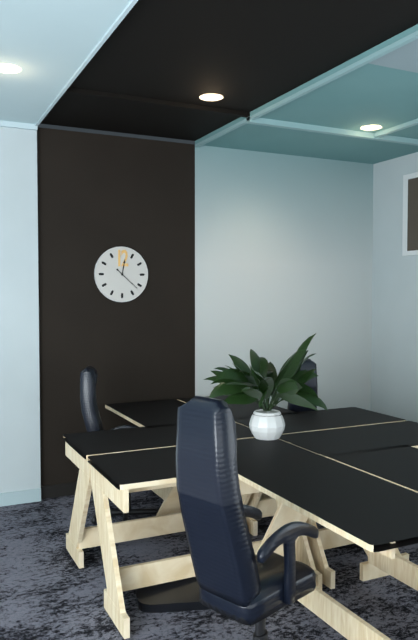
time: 12:22
